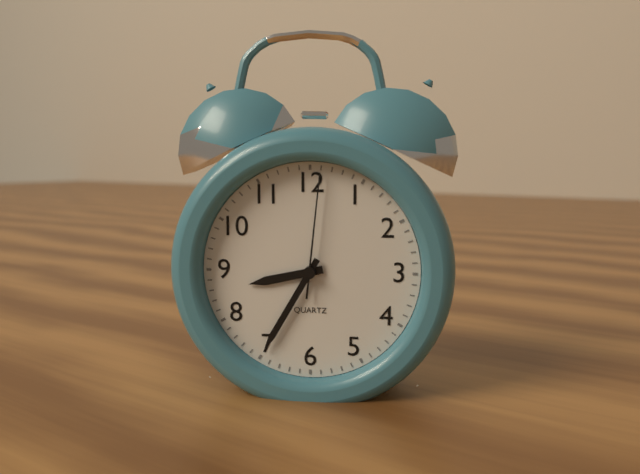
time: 8:35:01
